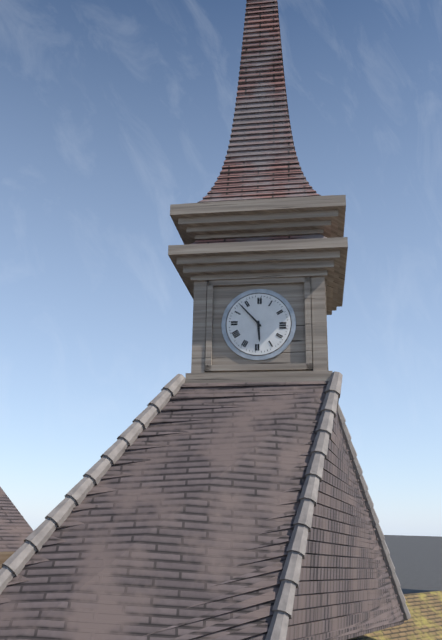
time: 5:53
